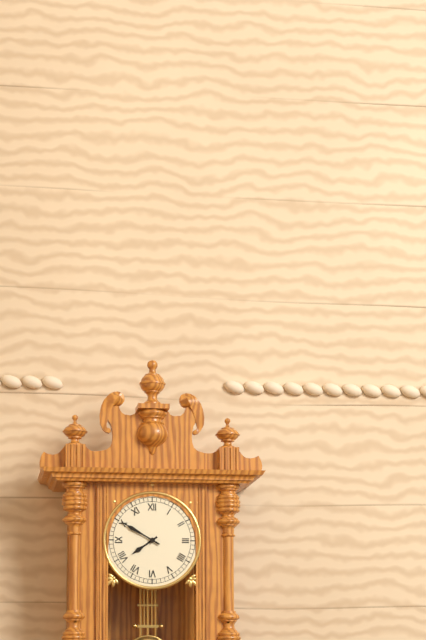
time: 7:50
